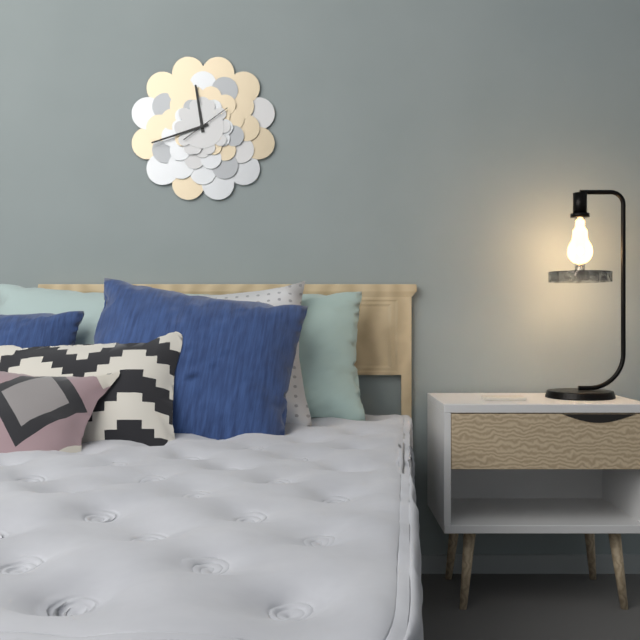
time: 11:42
